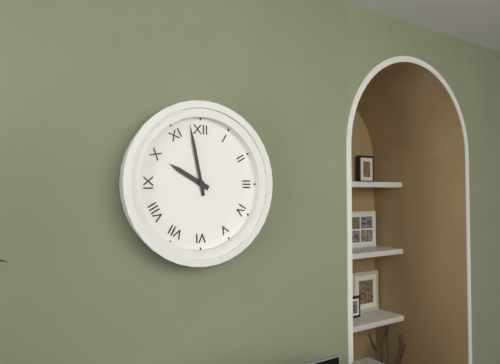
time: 9:58
